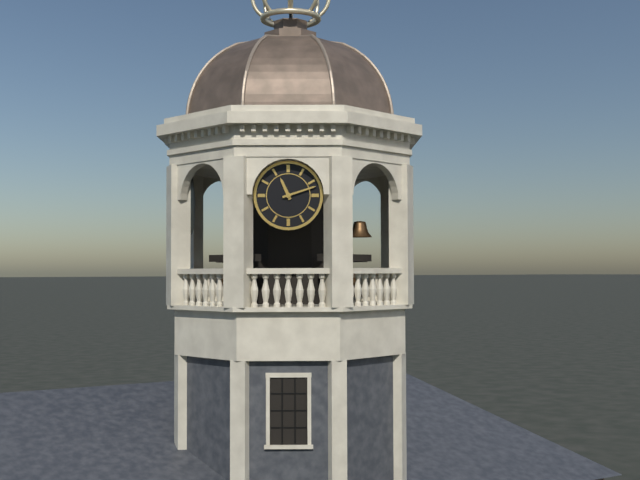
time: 11:12
